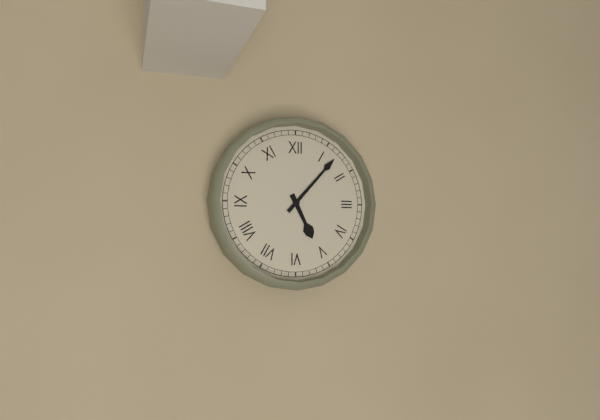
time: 5:07
